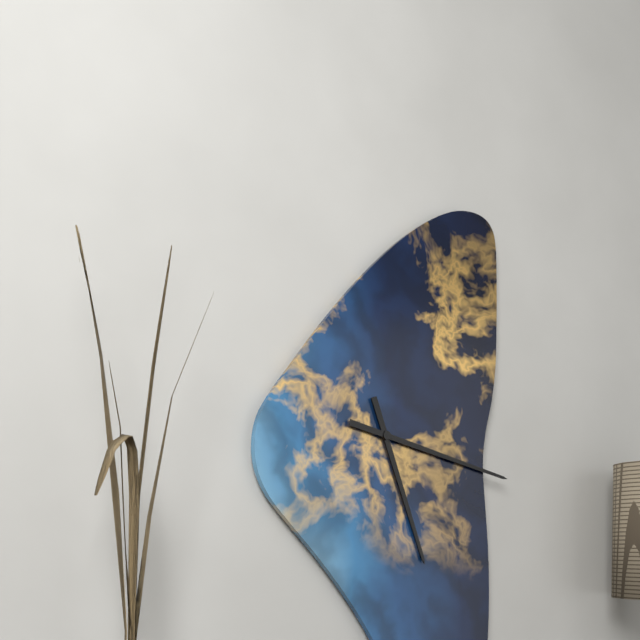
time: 5:17
